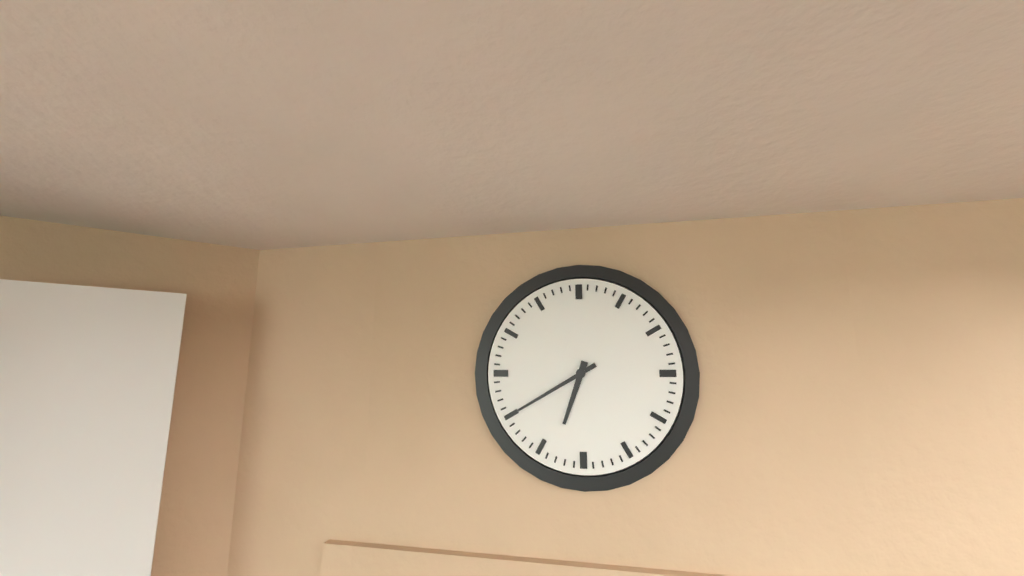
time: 6:40
